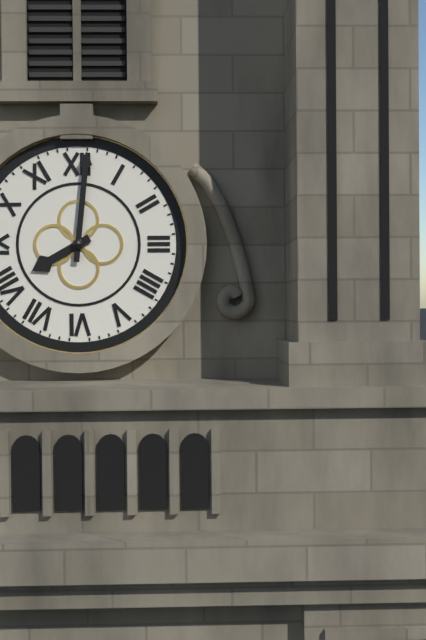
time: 8:01
